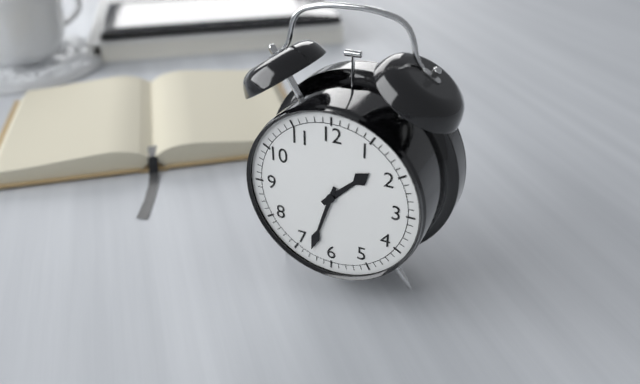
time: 1:33
